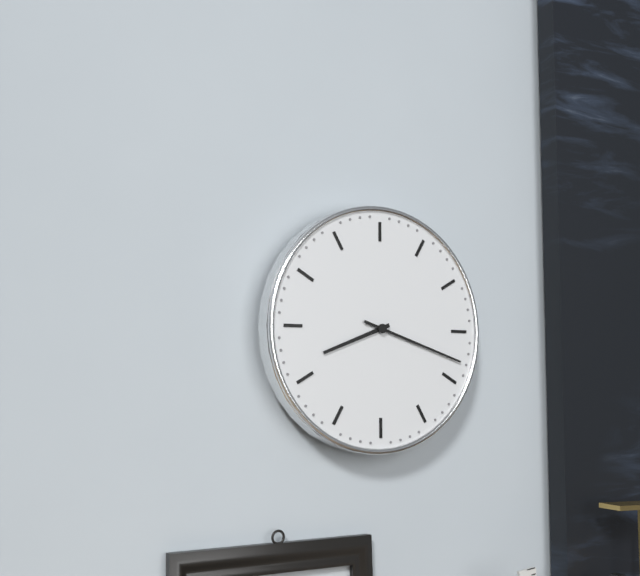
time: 8:18
